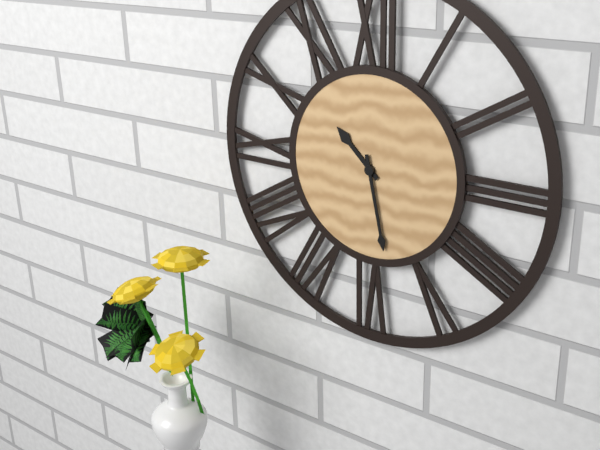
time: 10:28
